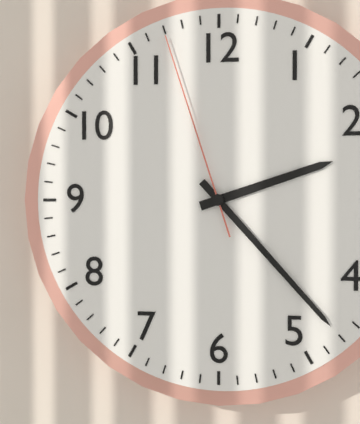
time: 2:23:57
